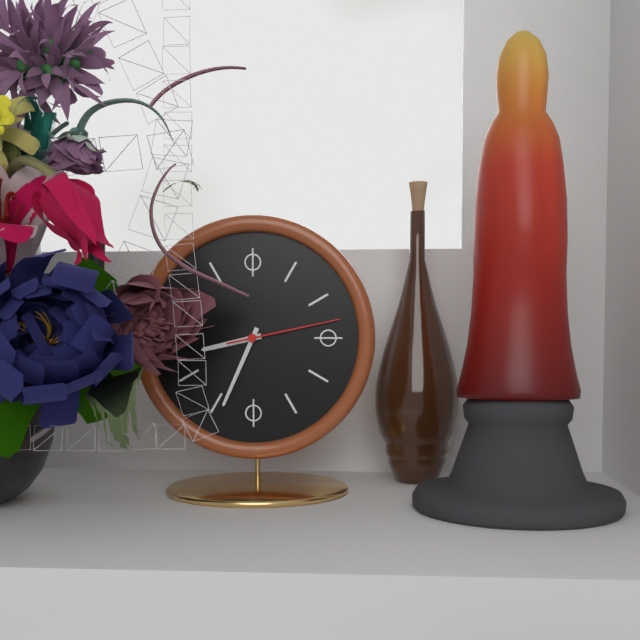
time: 8:34:13
